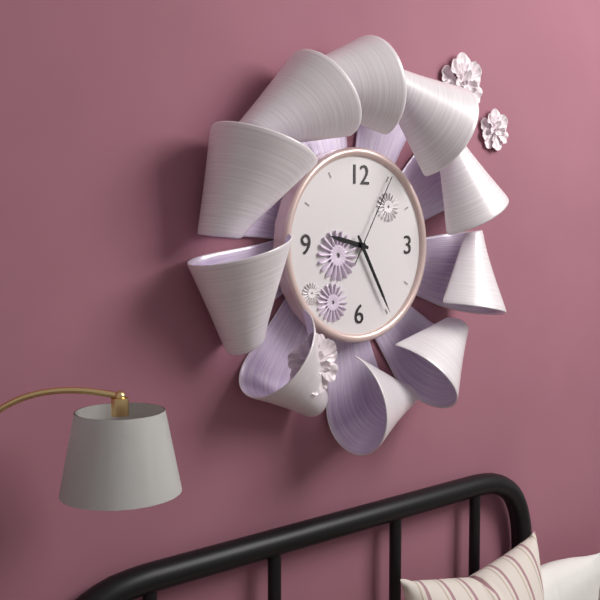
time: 9:25:05
